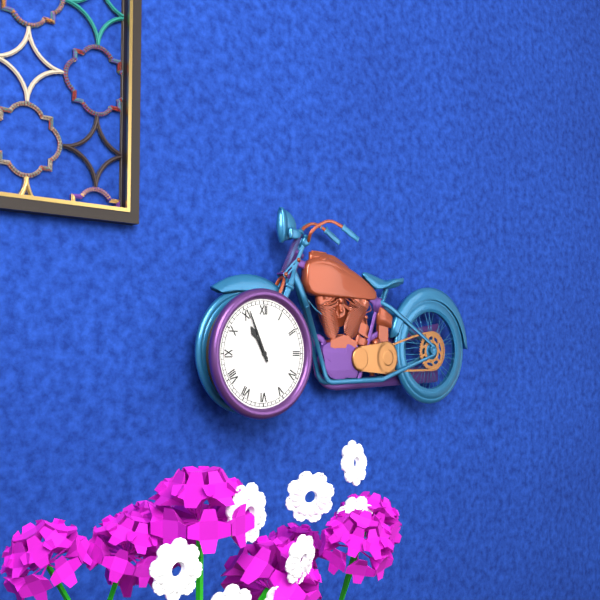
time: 10:56
